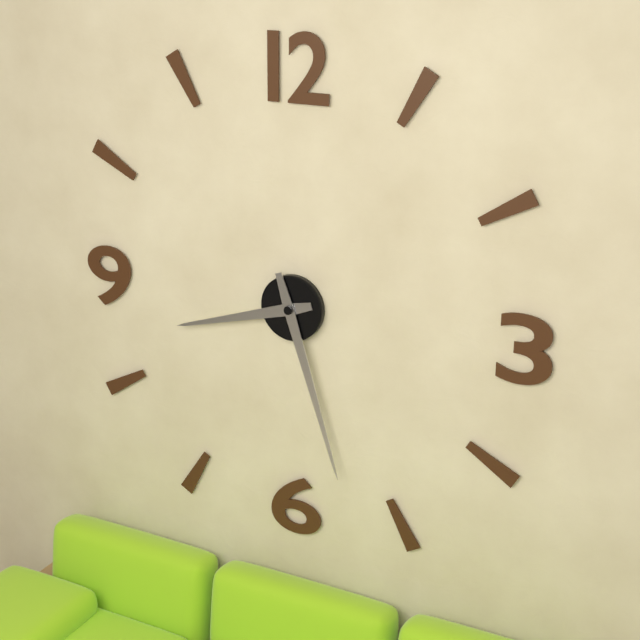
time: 8:27
